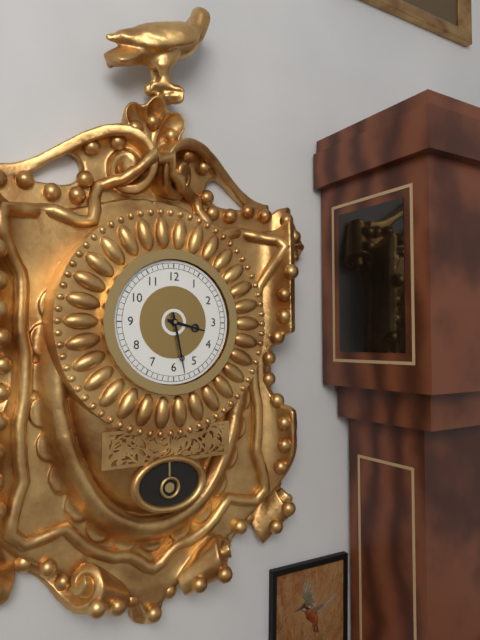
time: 3:28
